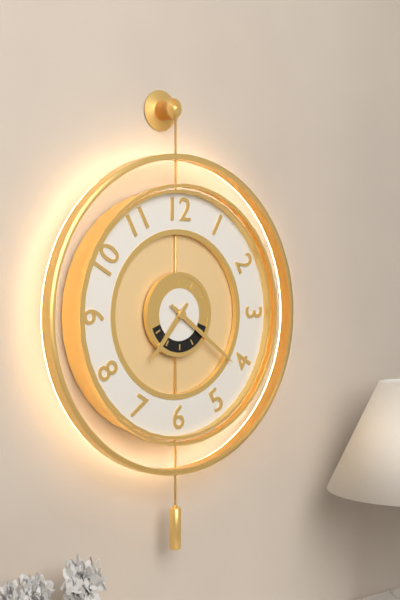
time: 7:21
